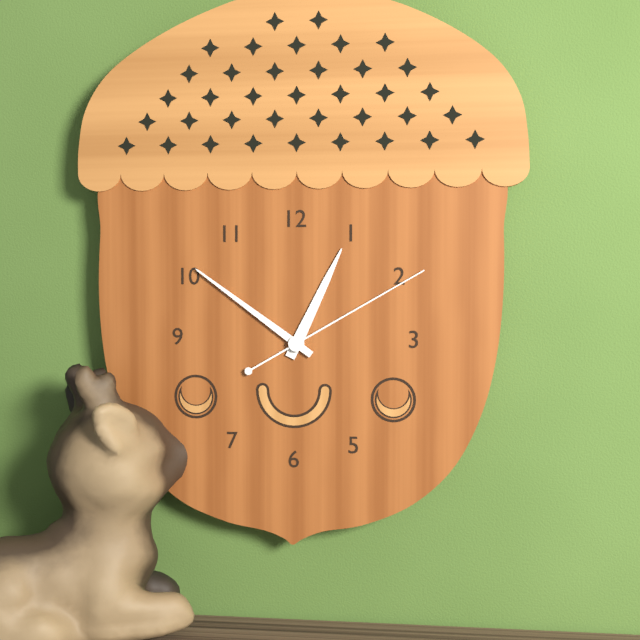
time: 12:51:10
